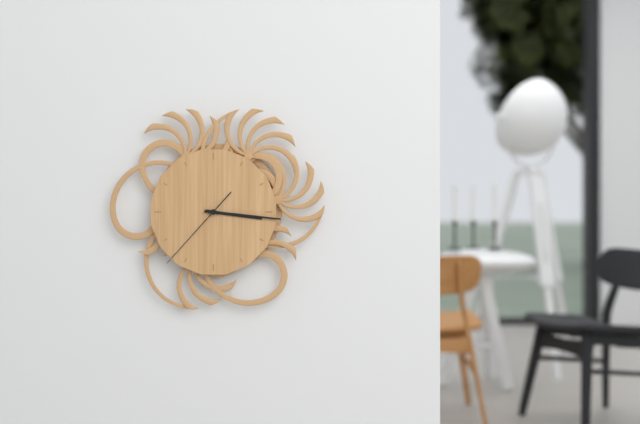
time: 3:16:37
